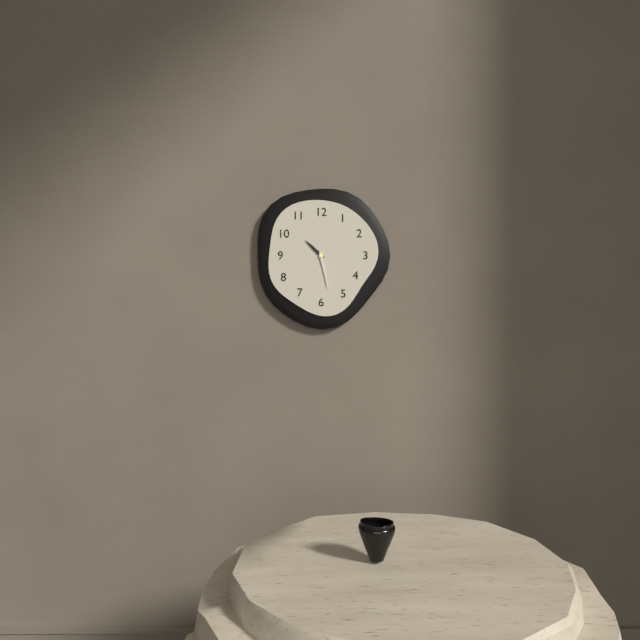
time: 10:28
